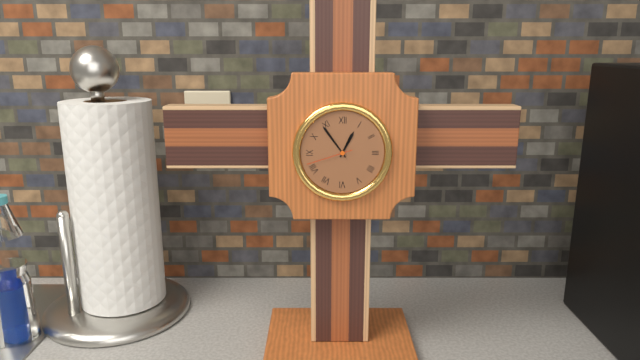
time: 12:54
